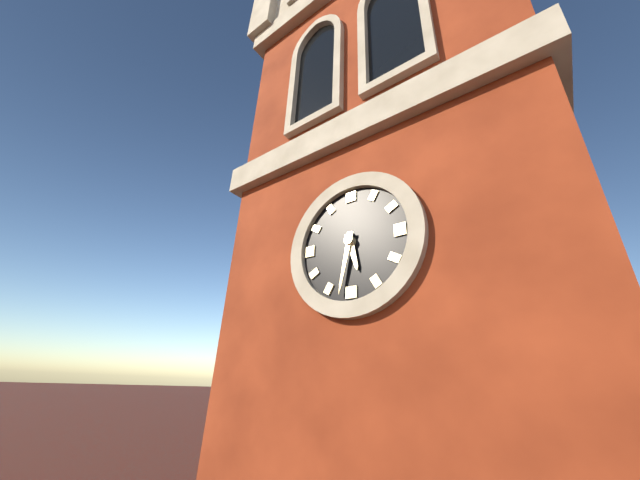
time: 5:32
